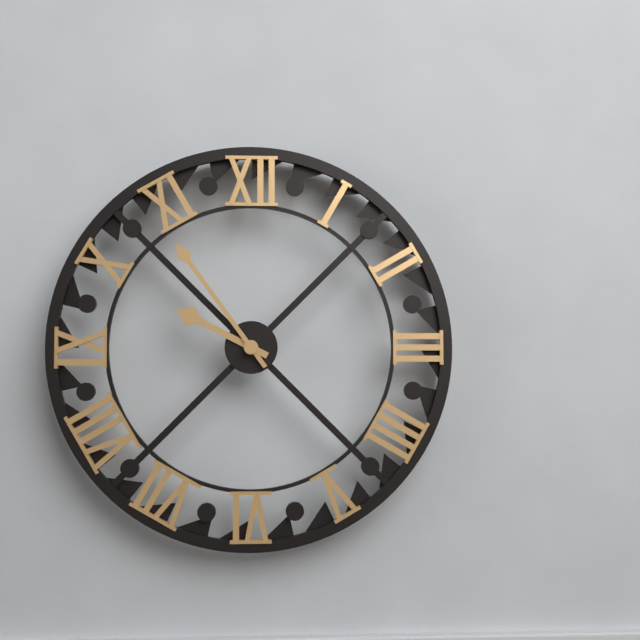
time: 9:54
